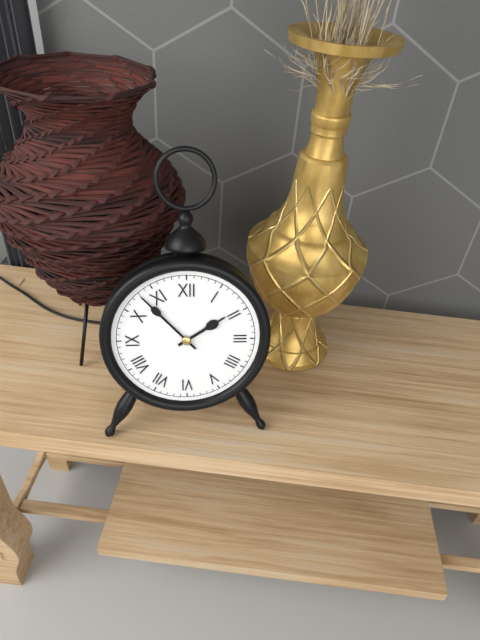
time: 1:53
